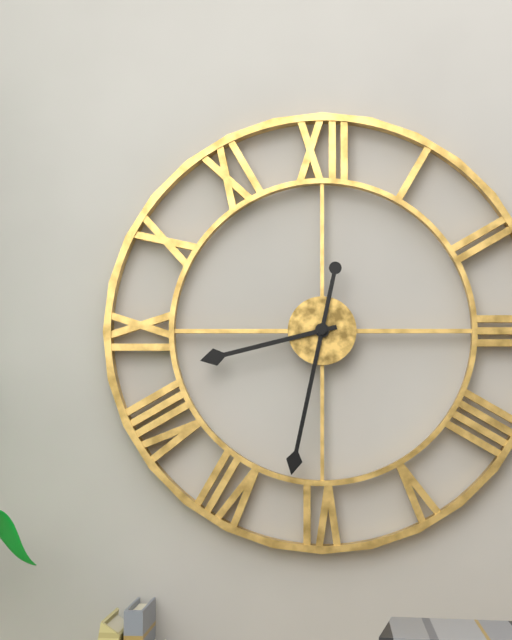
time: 8:32
